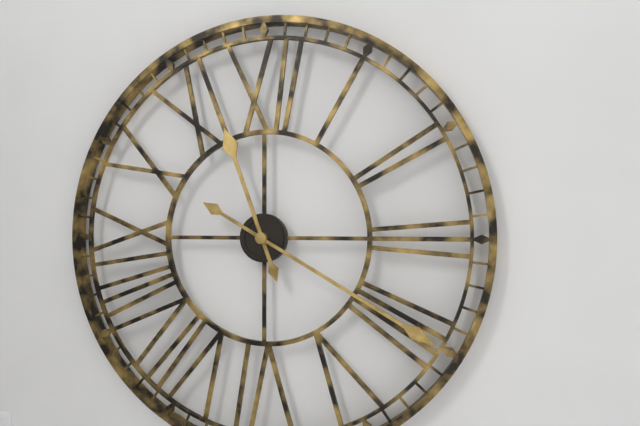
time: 11:20
